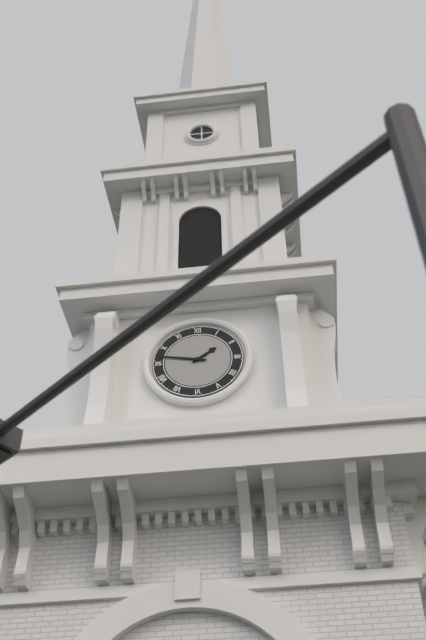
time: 1:47
